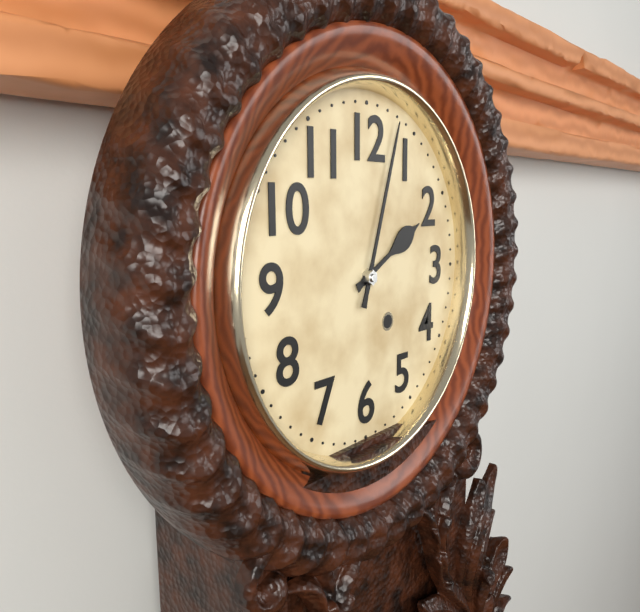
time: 2:03
